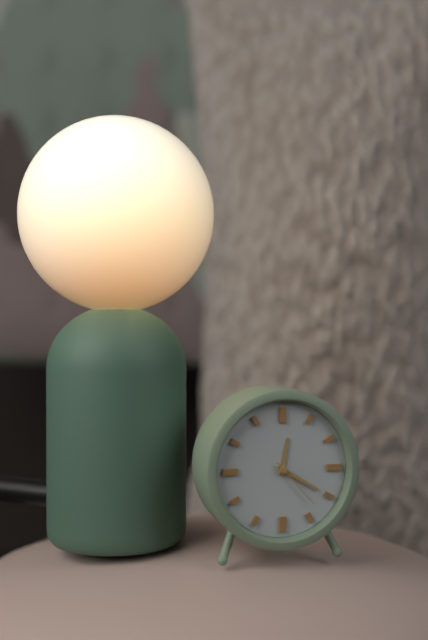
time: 12:20:23
